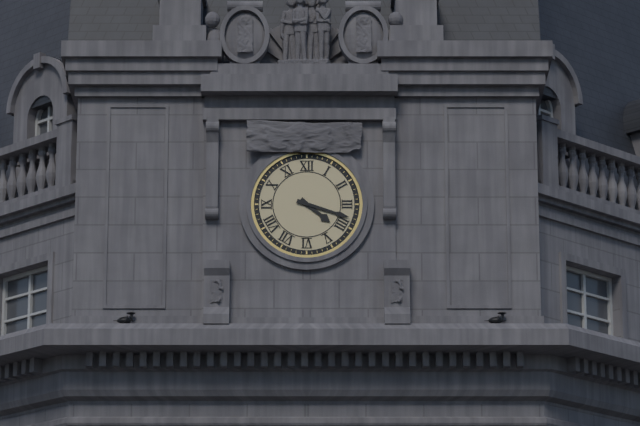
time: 4:18
